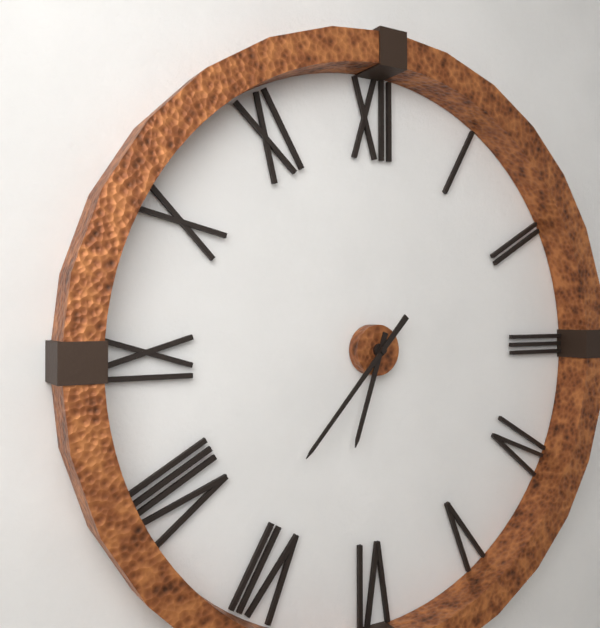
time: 6:37
